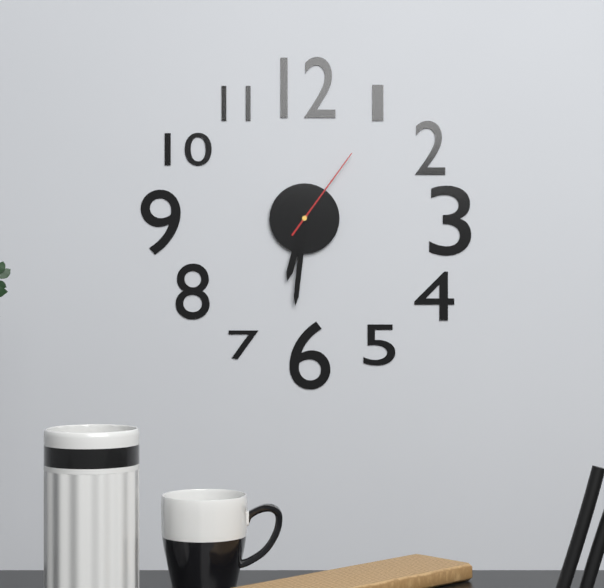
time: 6:31:06
